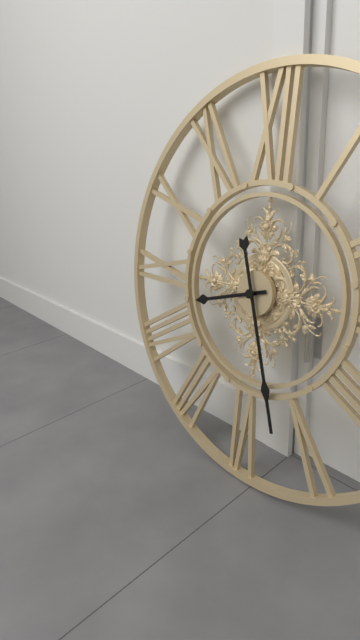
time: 8:27
